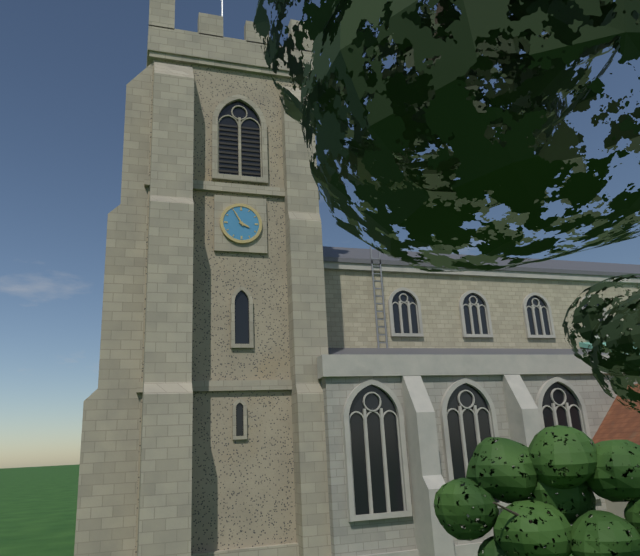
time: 3:55
